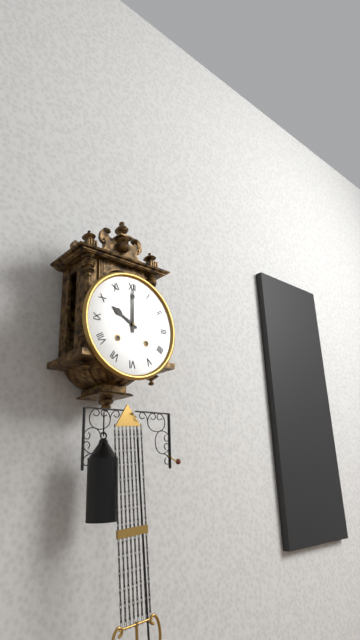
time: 10:00
